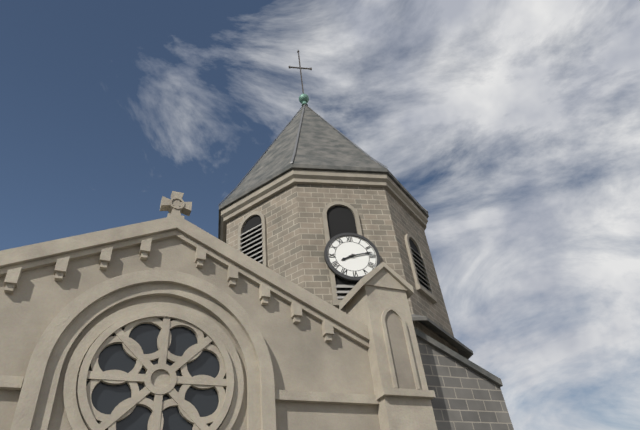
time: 8:13
